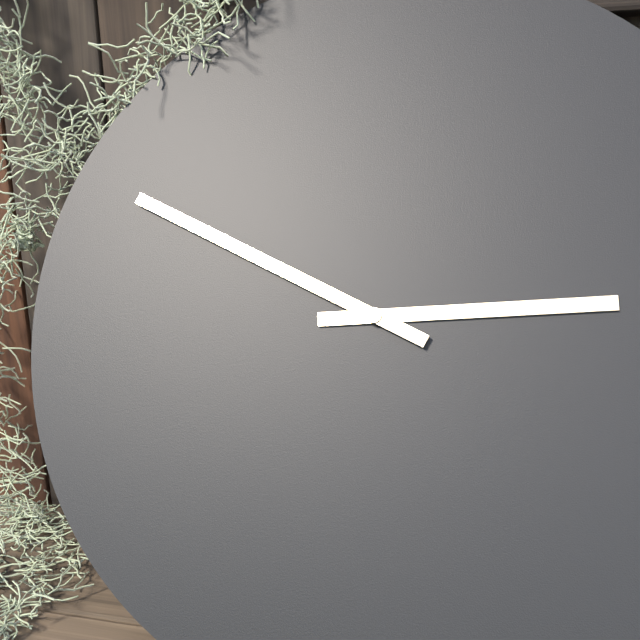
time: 2:49
